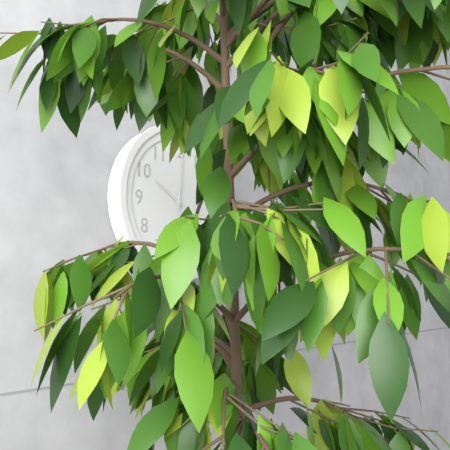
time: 10:01
